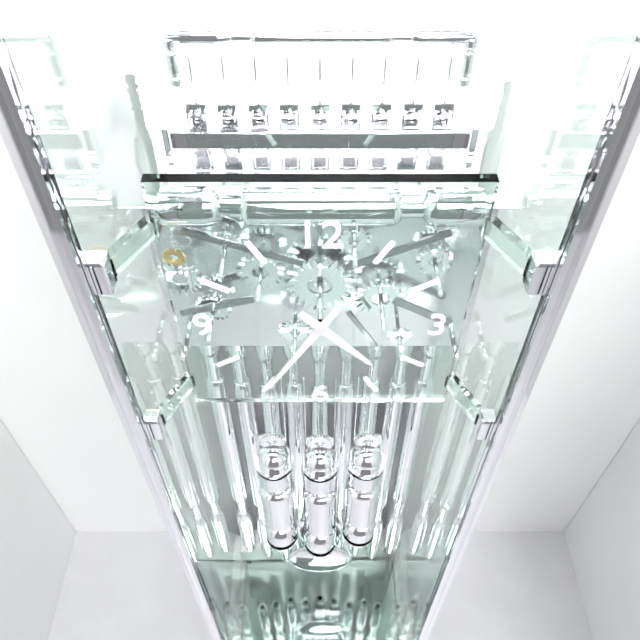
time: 4:35
